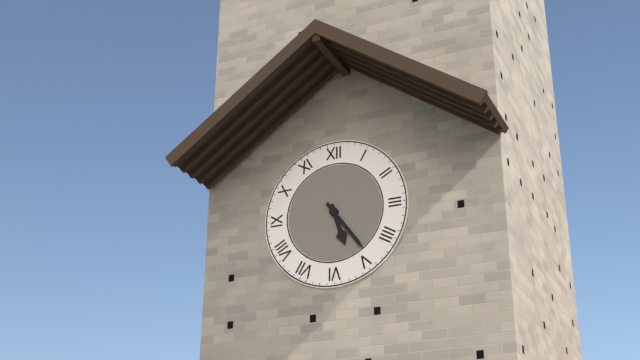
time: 5:24
